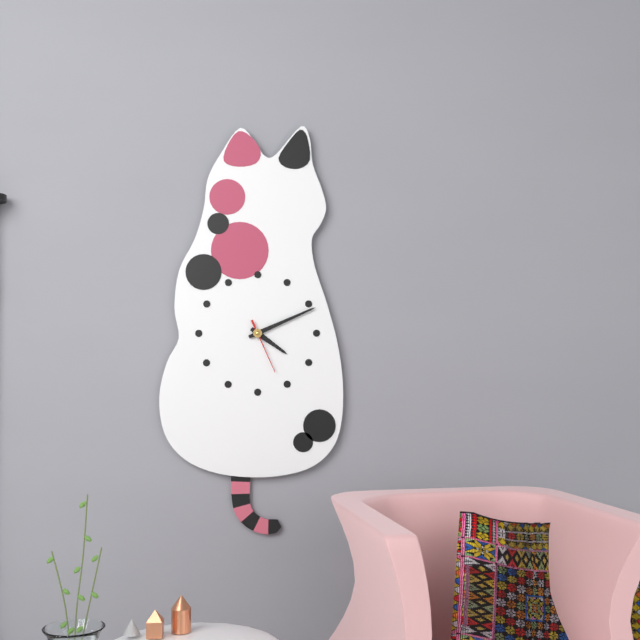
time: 4:11:26
